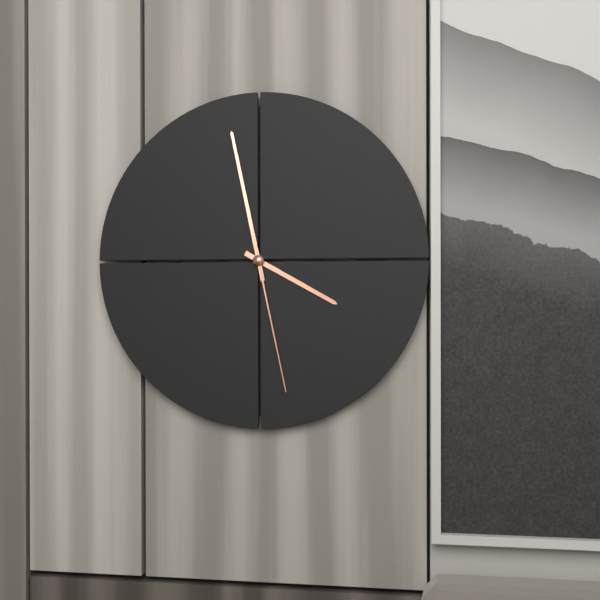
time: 3:58:28
